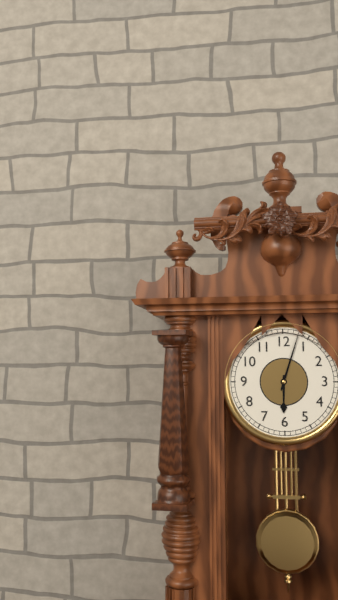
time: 6:03
